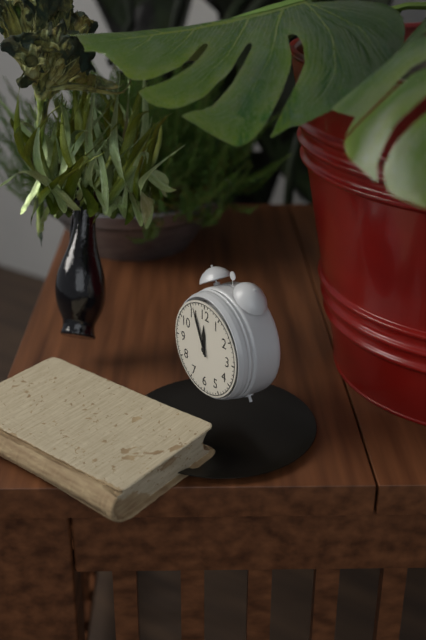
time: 11:56
